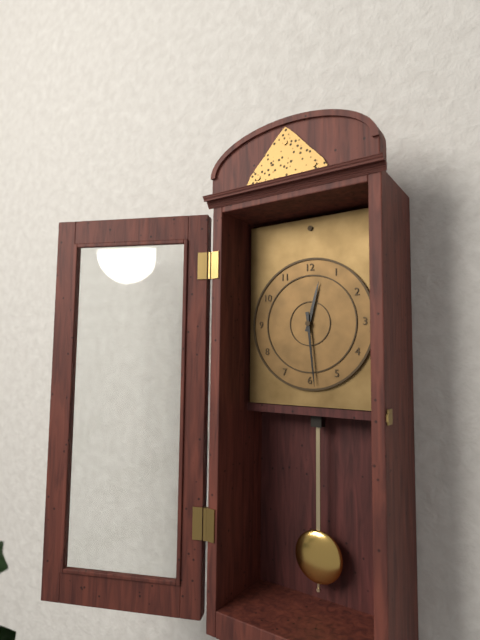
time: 12:29
